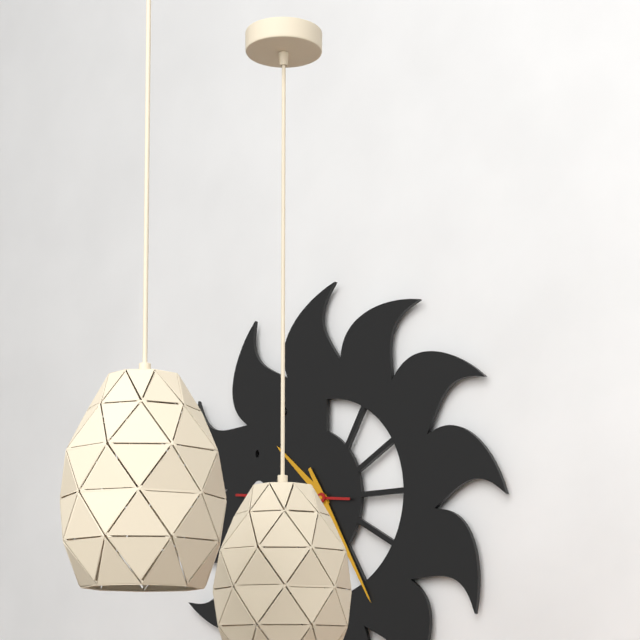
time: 10:25
